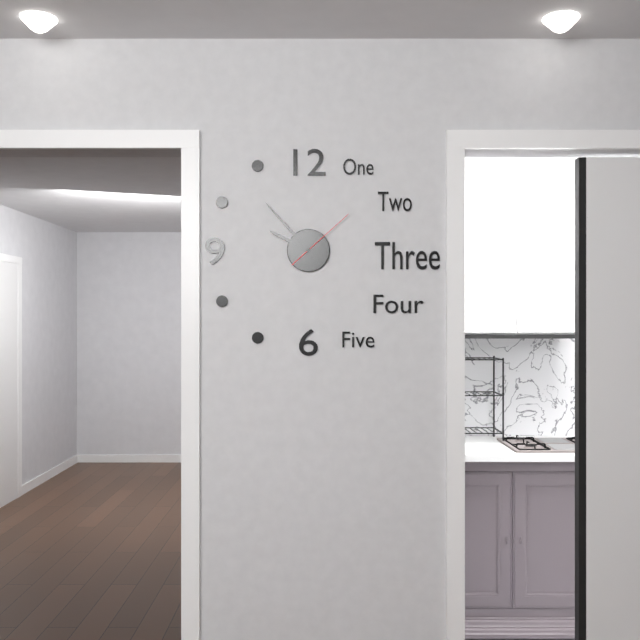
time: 9:53:08
